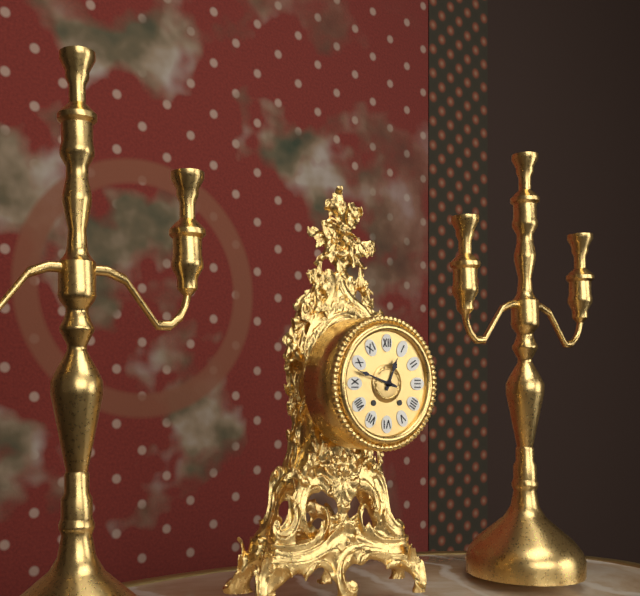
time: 12:48
